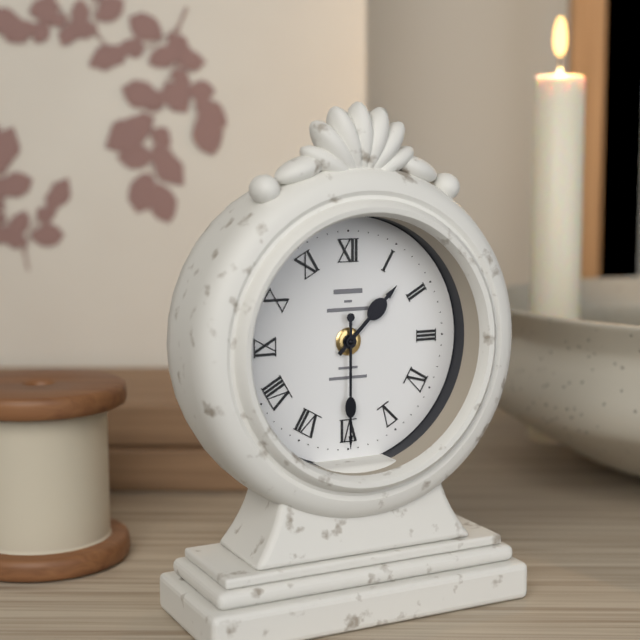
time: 1:30
